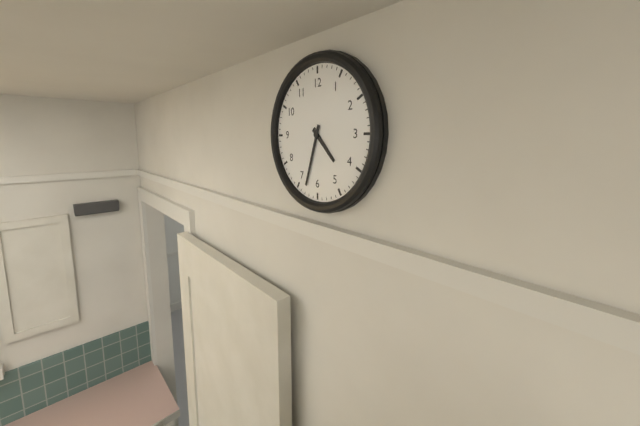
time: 4:33
